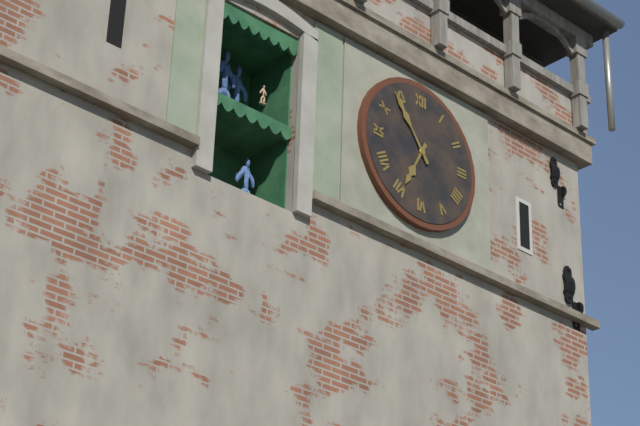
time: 6:54
